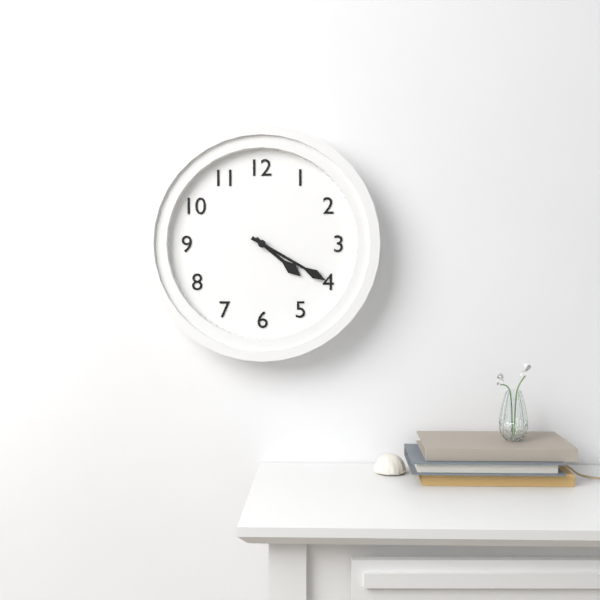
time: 4:20
